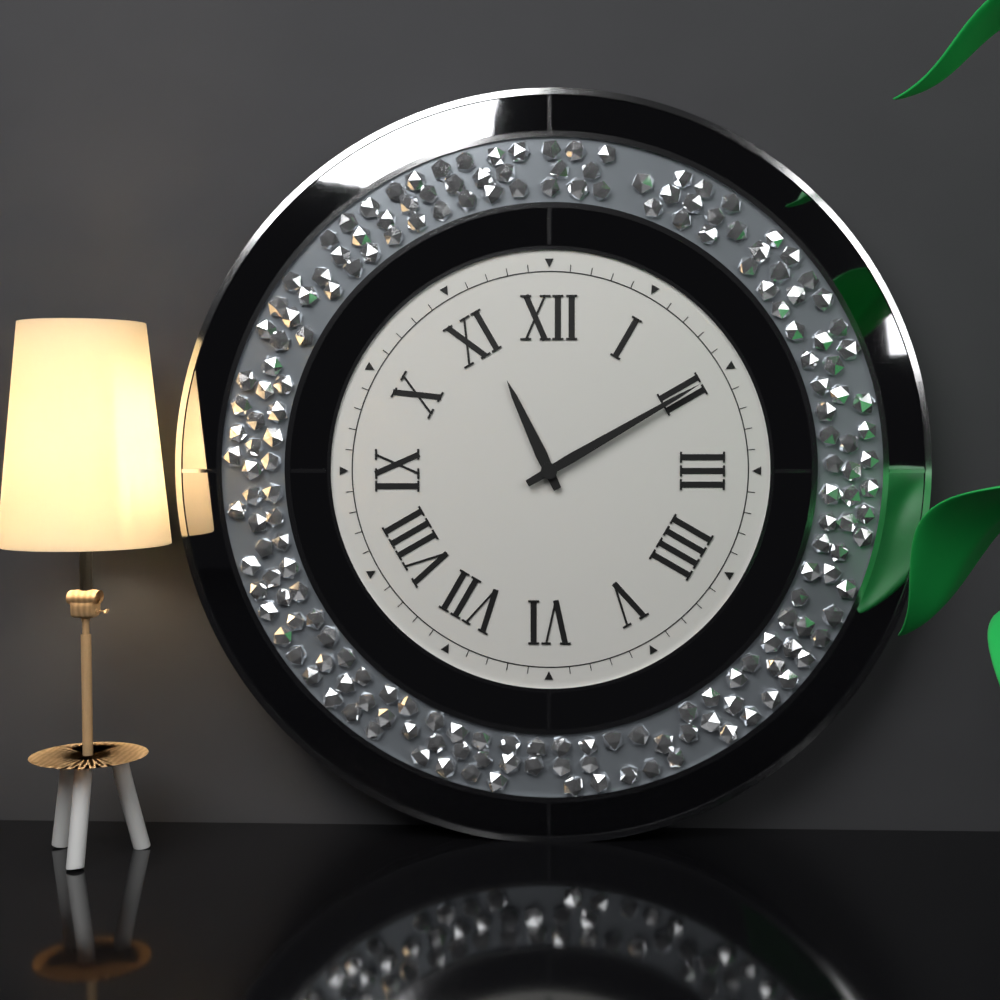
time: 11:10
